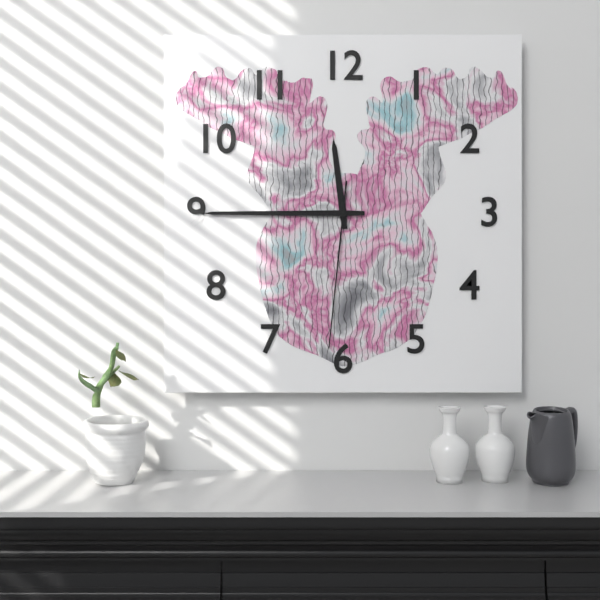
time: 11:45:31
